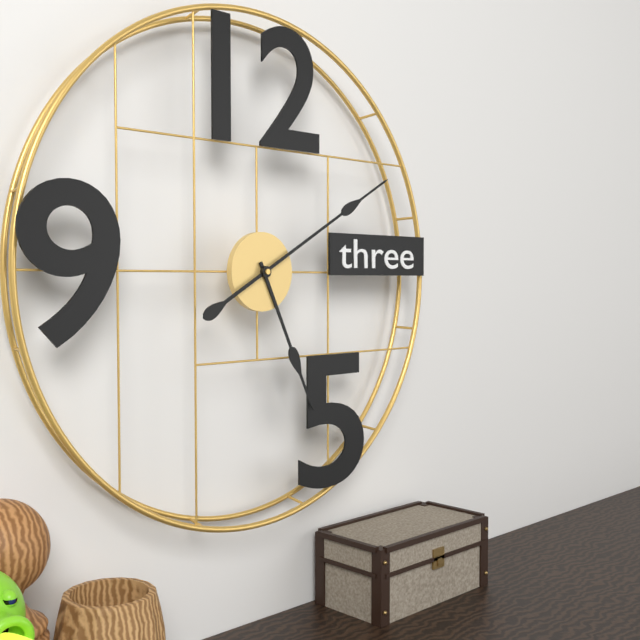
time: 5:10
